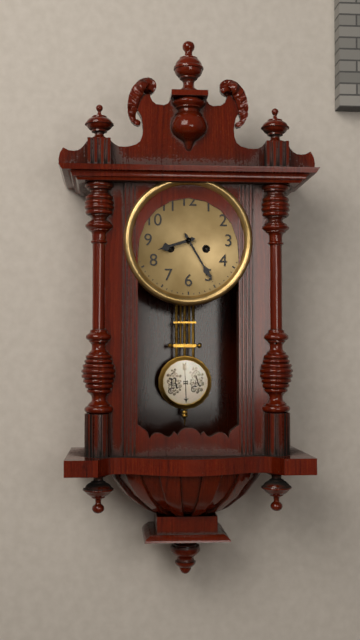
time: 8:25
